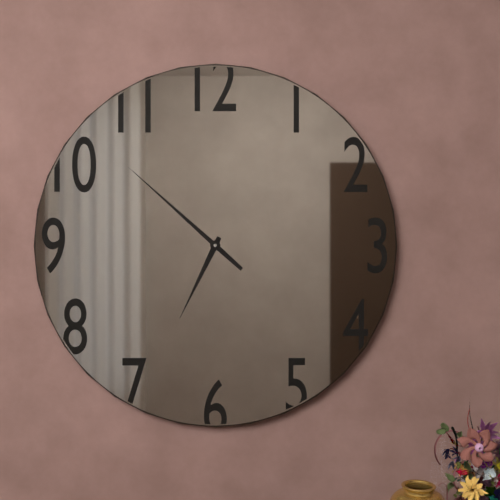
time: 6:52
